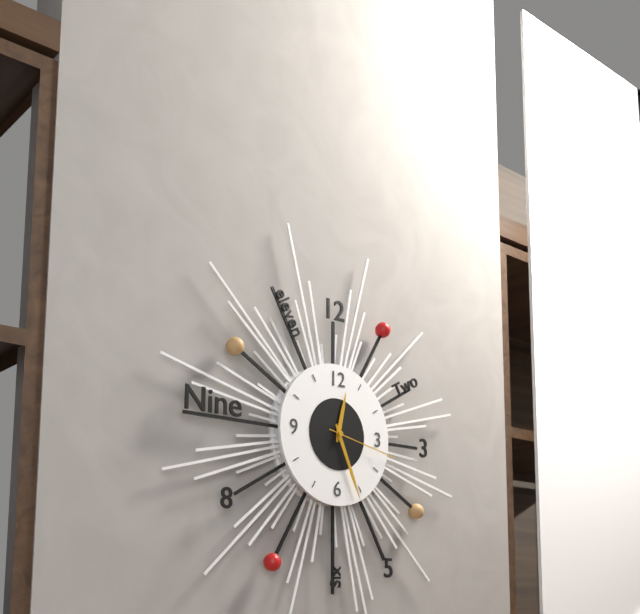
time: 12:26:17
